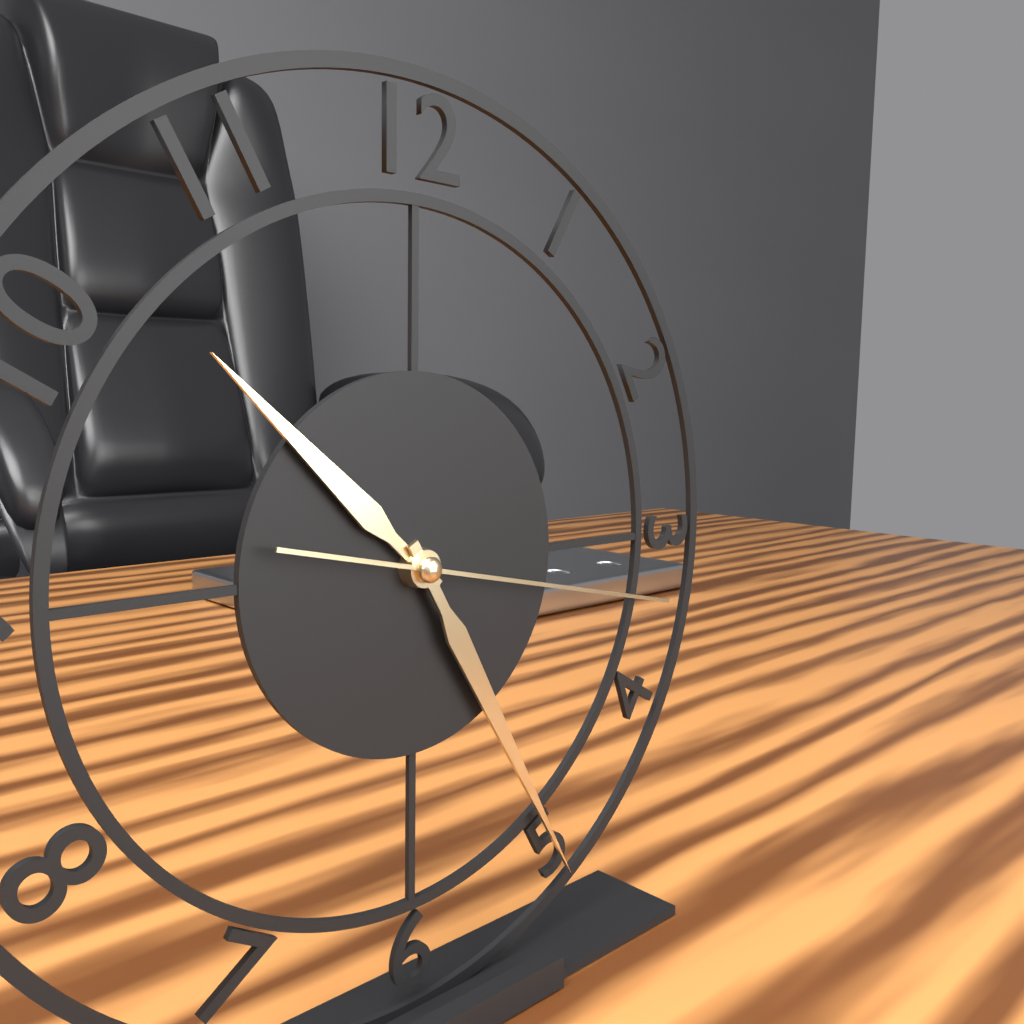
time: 10:25:17
